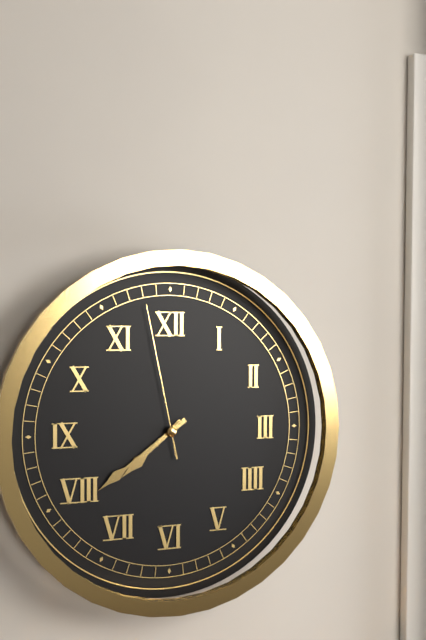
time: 7:39:58
